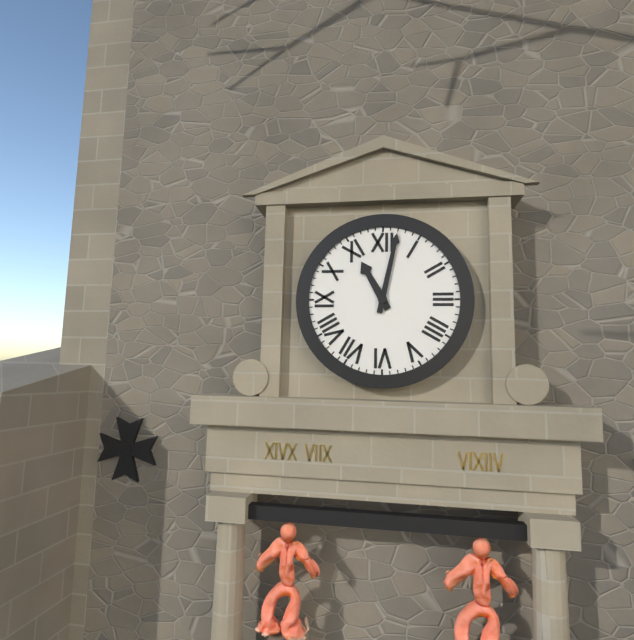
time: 11:02
